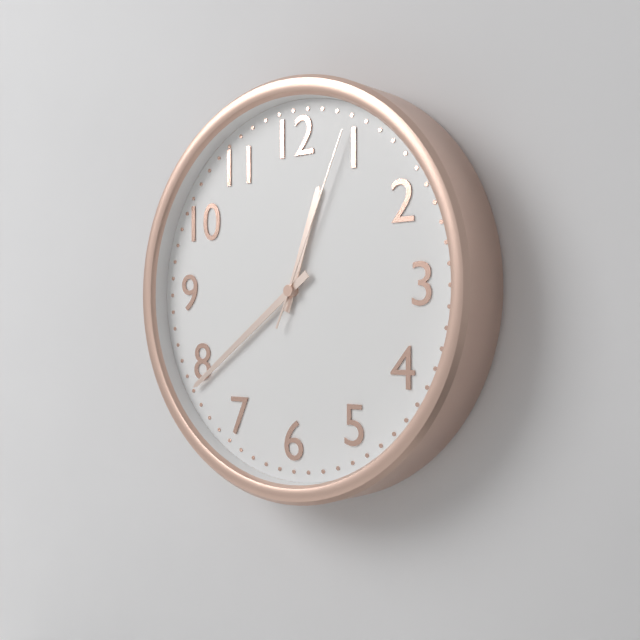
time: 12:39:04
